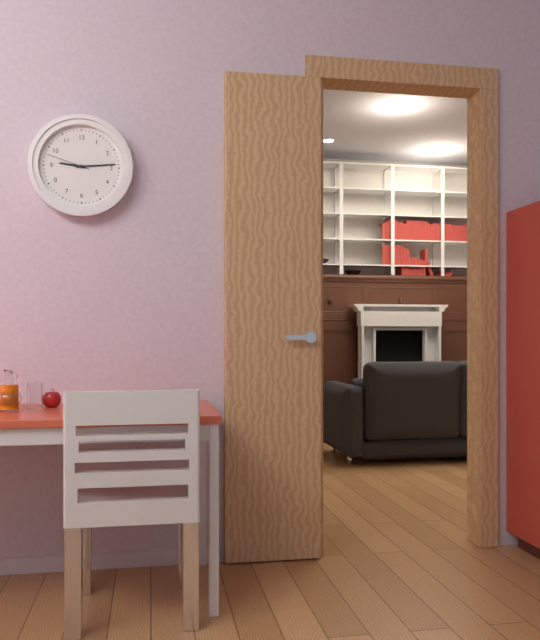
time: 9:14
